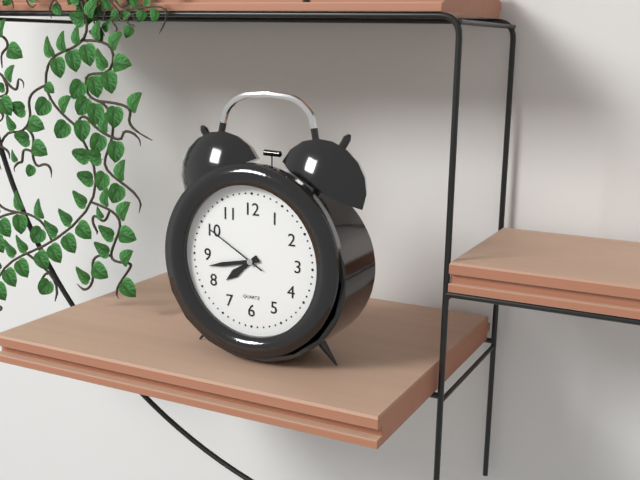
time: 7:43:50
